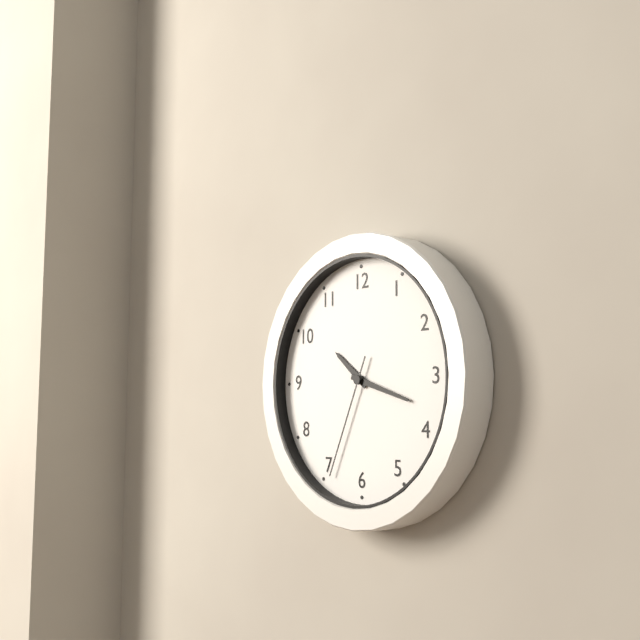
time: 10:18:34
